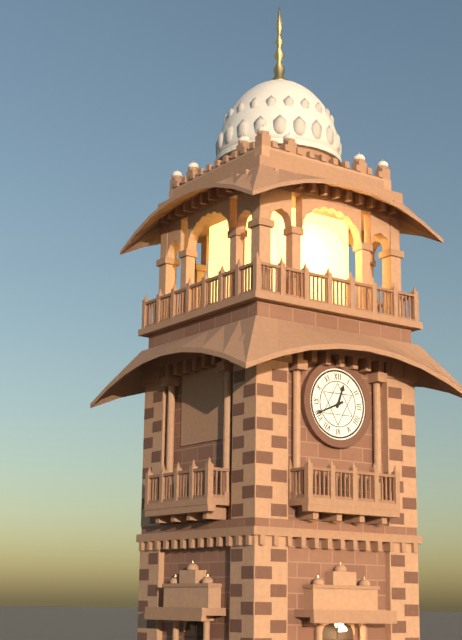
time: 12:41
